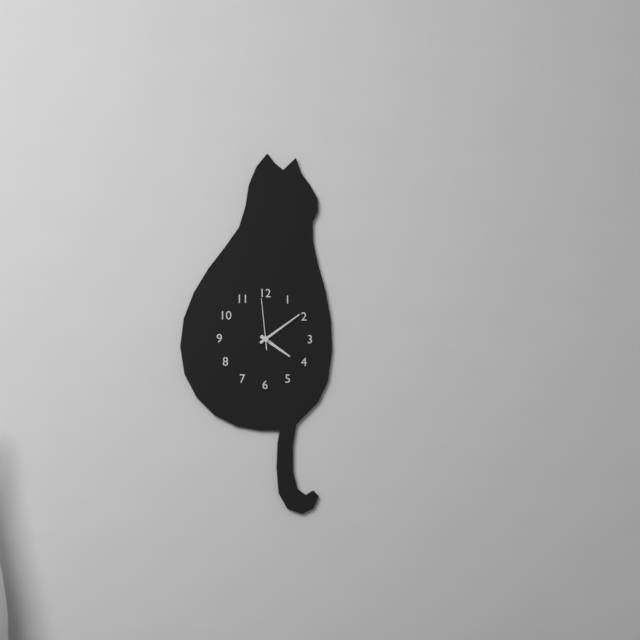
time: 4:09:59
